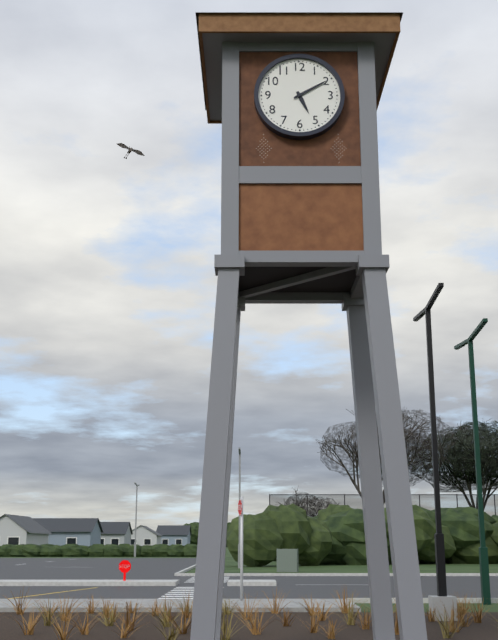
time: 5:10
